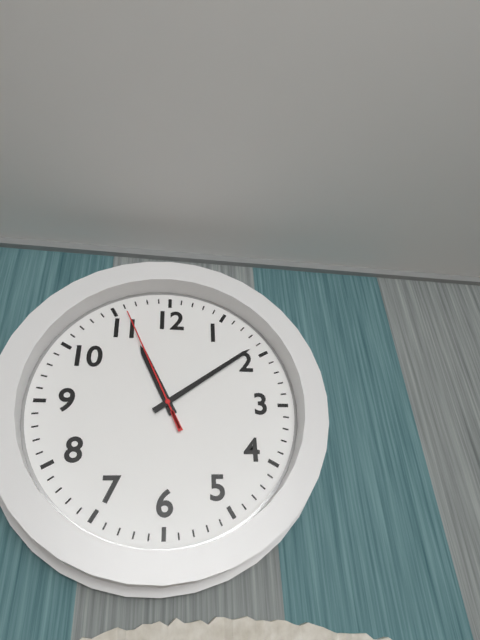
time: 11:09:56
